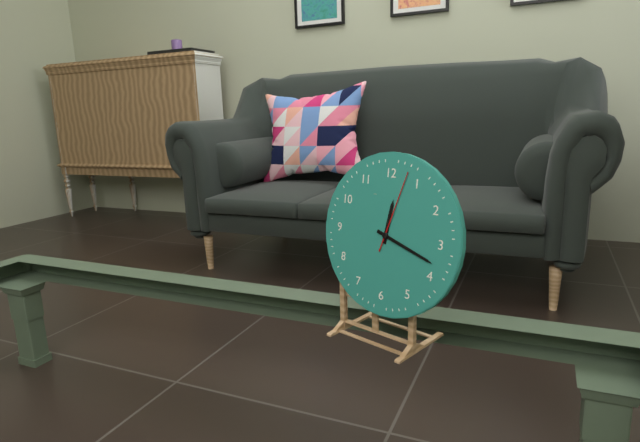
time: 12:18:03
